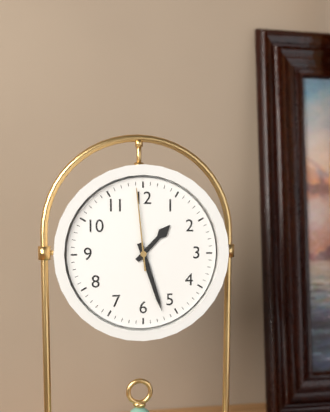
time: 1:27:59
